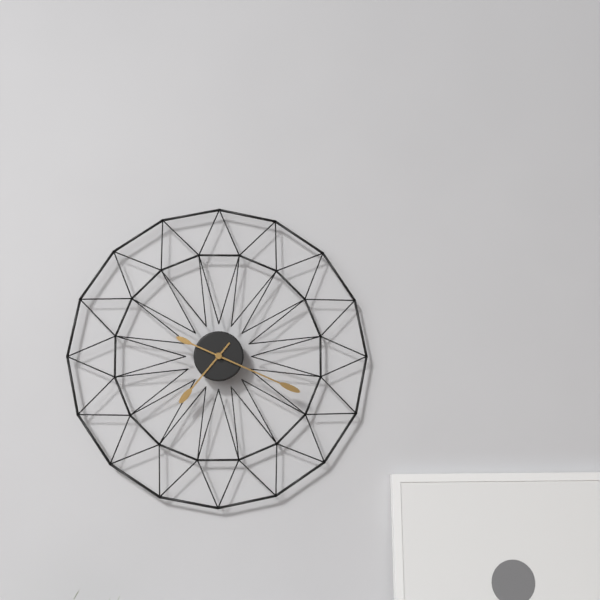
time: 7:19
